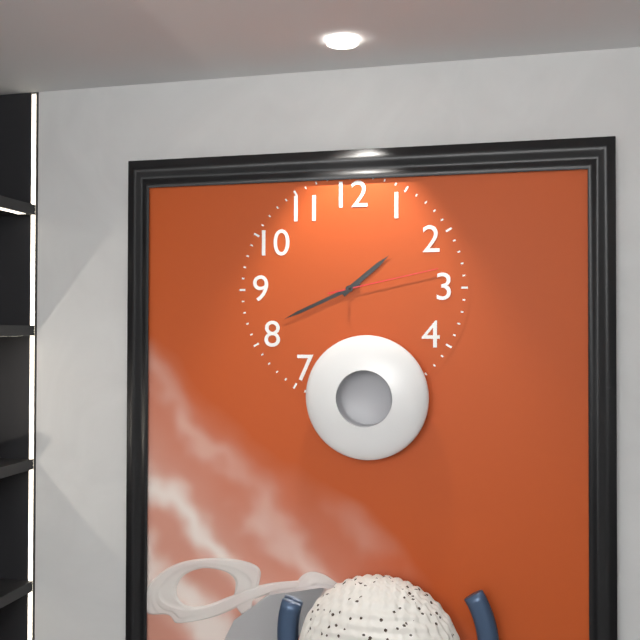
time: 1:41:13
